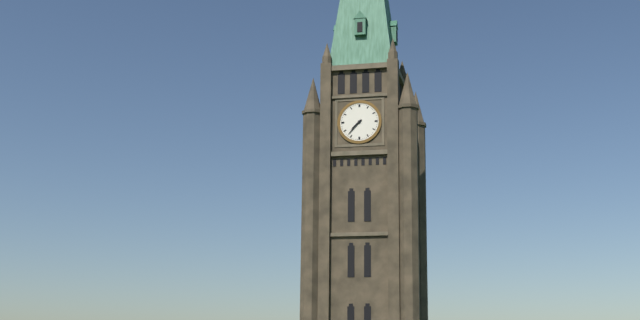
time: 7:37
